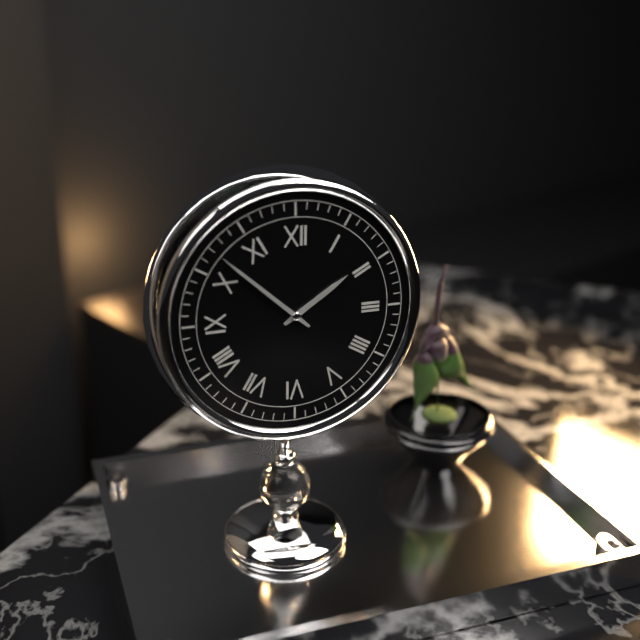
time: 1:52
